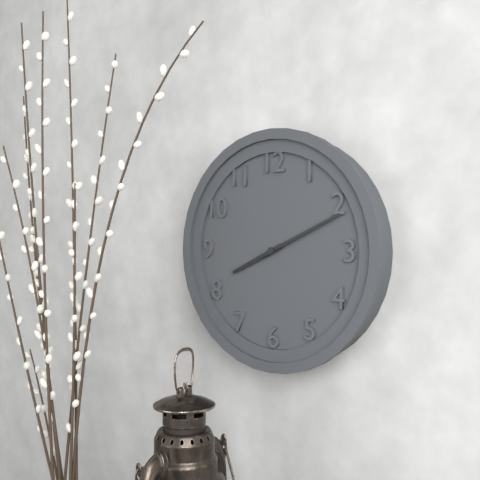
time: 8:11
